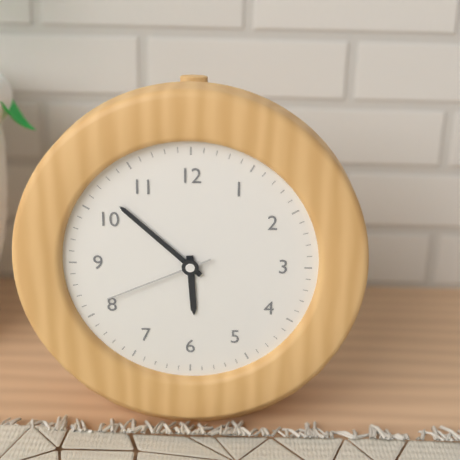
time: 5:52:41
